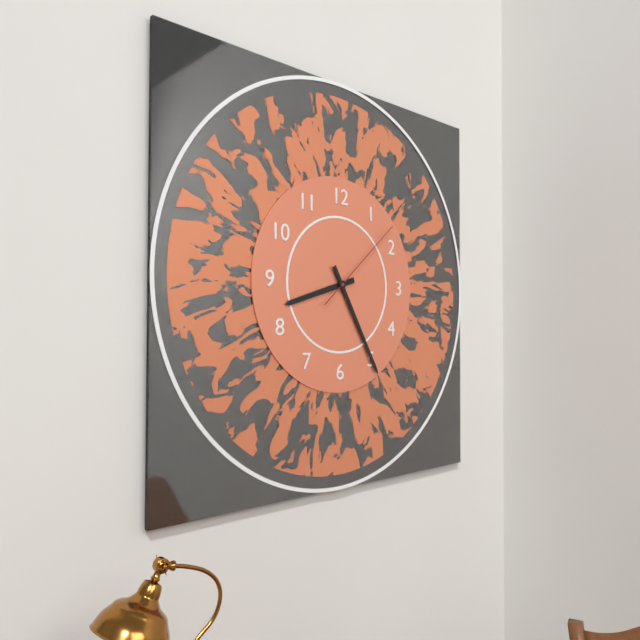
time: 8:25:08
